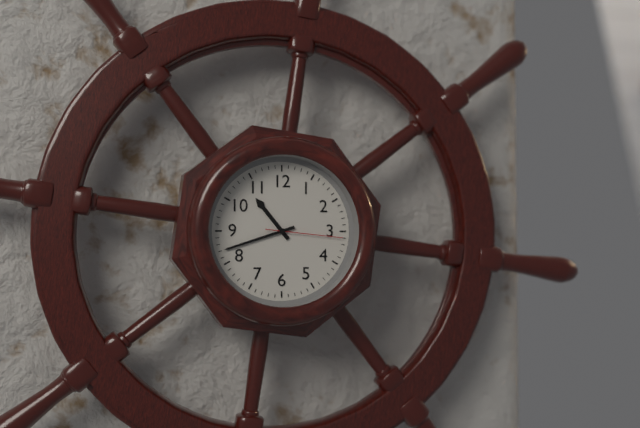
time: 10:42:16
